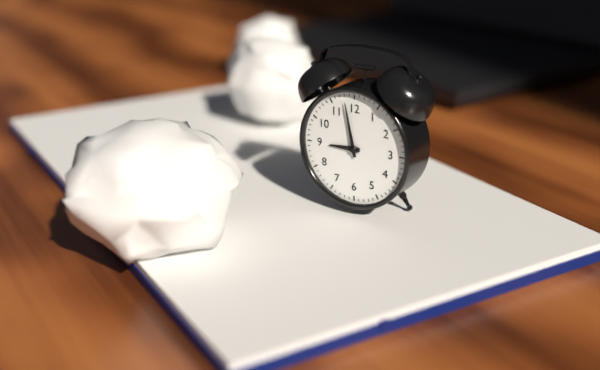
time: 8:58
